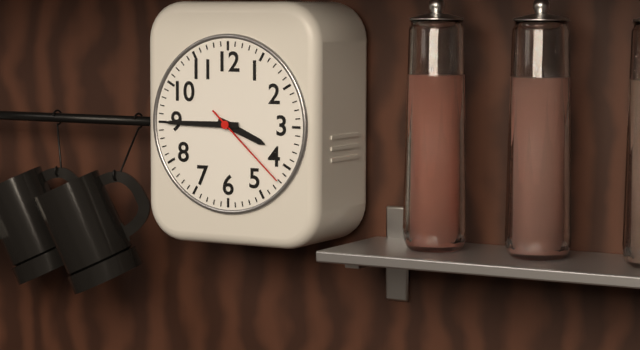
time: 3:45:22
